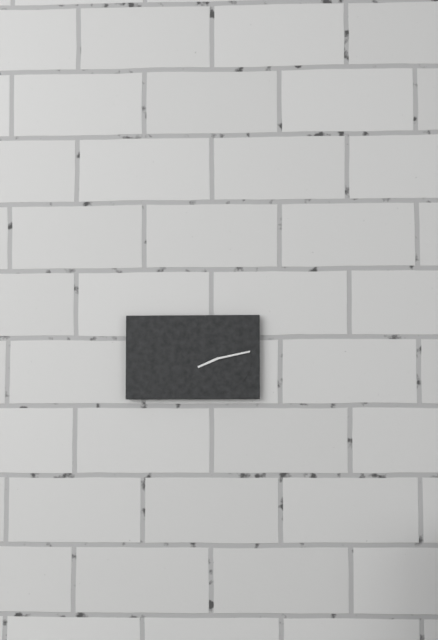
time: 8:13
